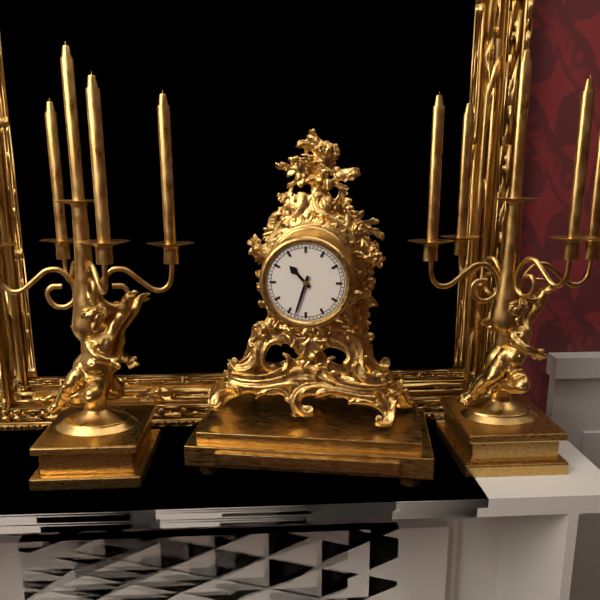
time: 10:33
